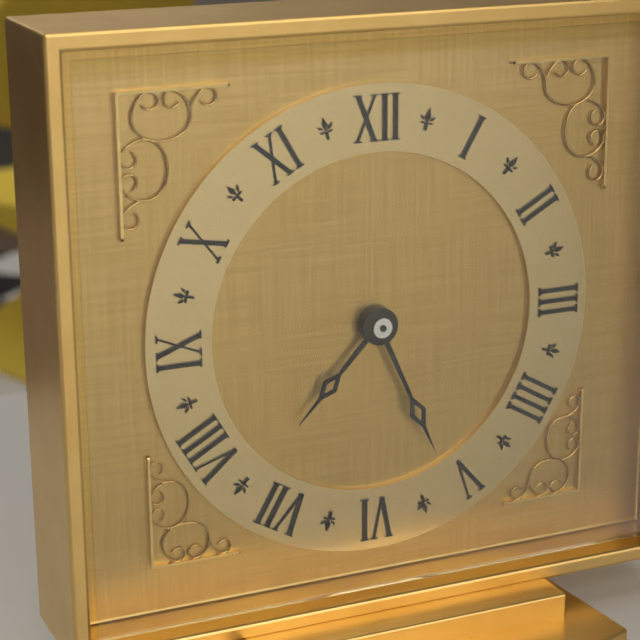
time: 7:26
